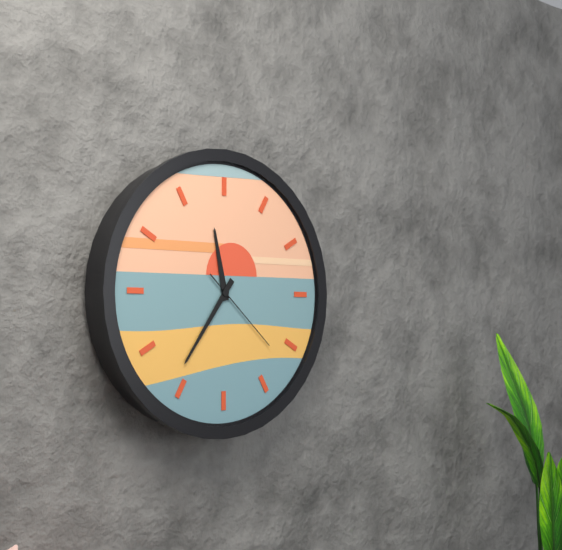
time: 11:36:22
